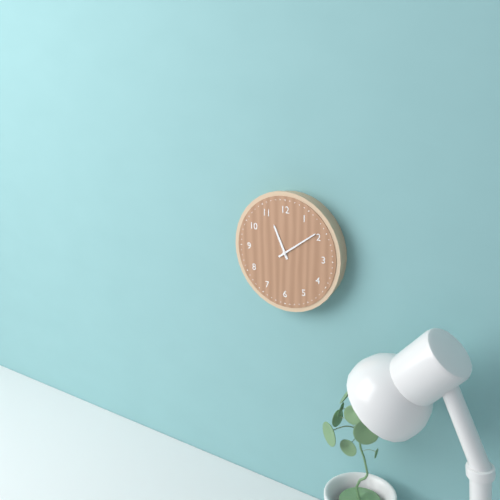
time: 11:09
